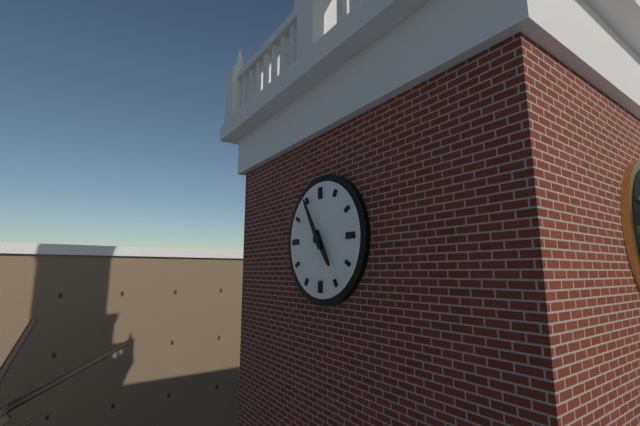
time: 4:55
